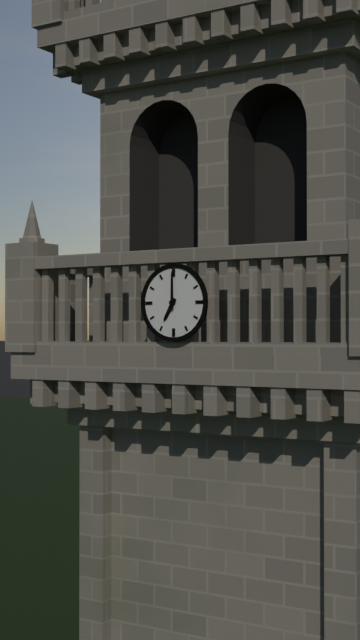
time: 7:00
